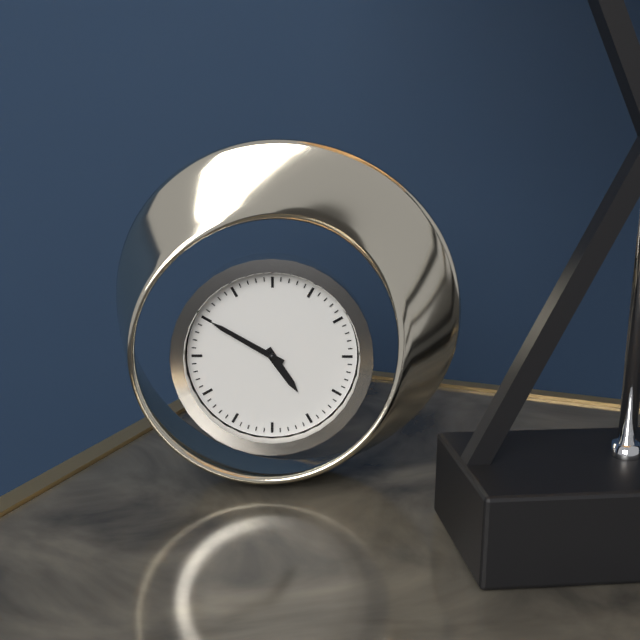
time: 4:50
